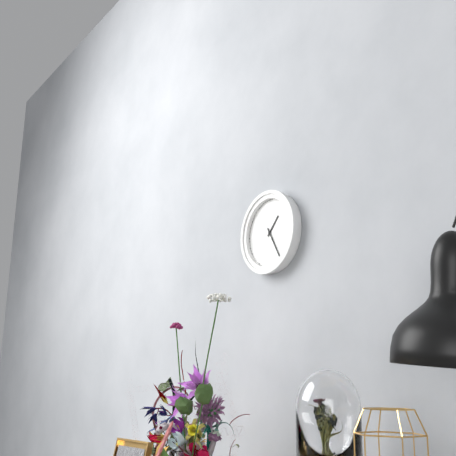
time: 1:25
